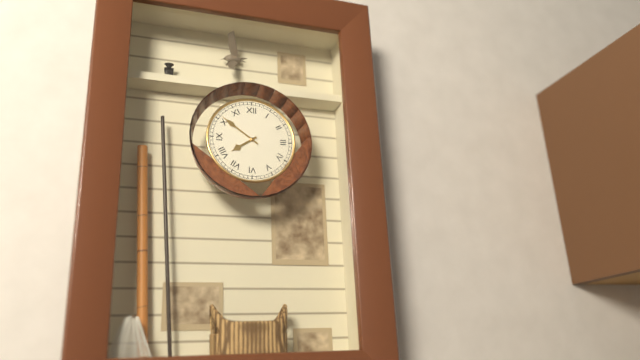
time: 7:51
